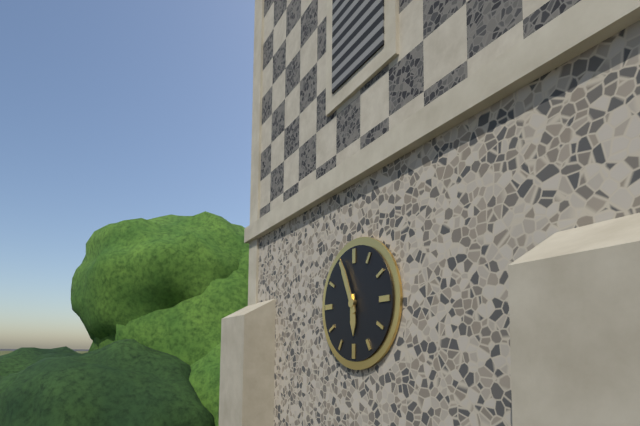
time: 5:56
